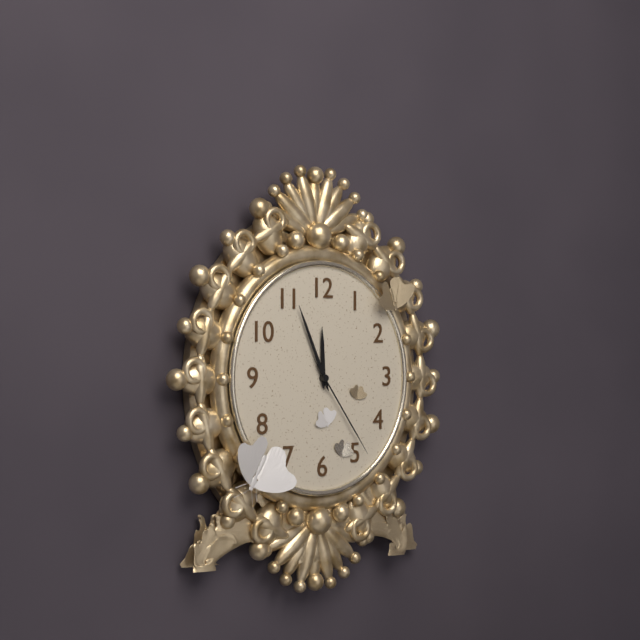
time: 11:56:24
